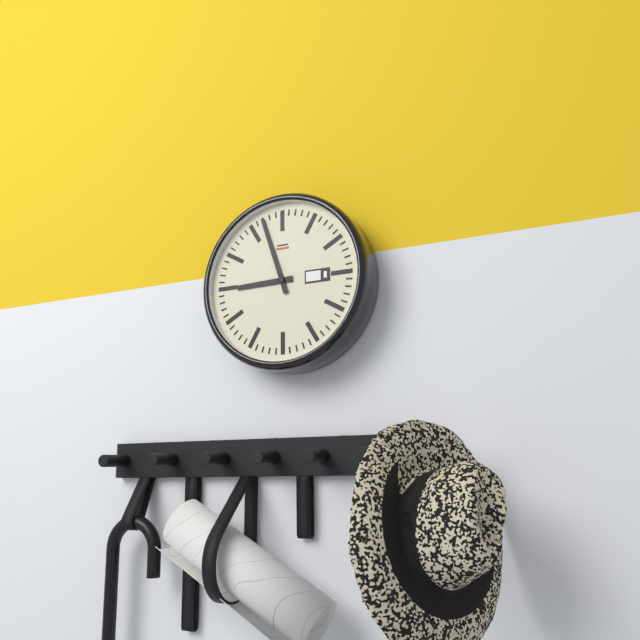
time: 8:57
